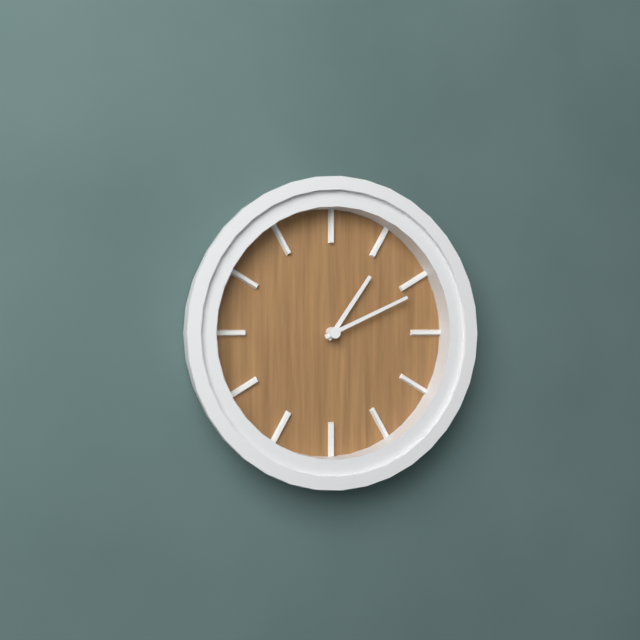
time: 1:11
